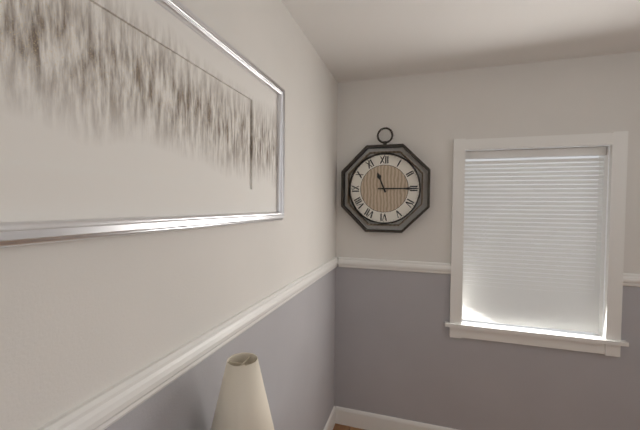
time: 11:15
